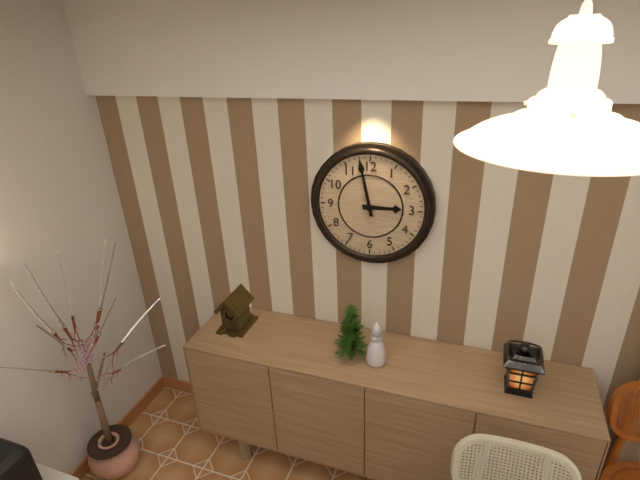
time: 2:58
